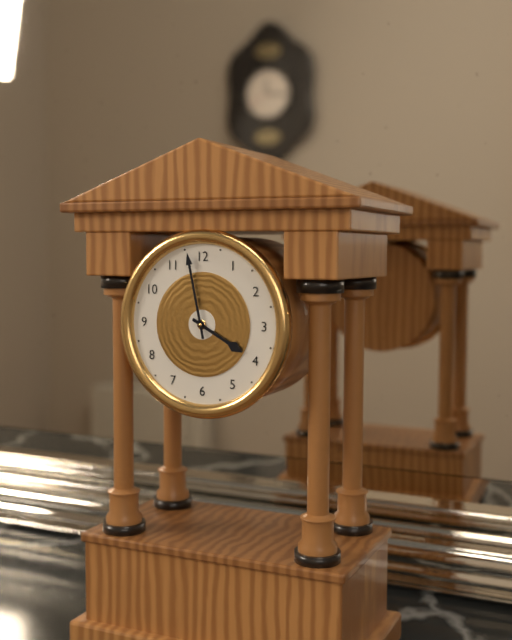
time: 3:58
